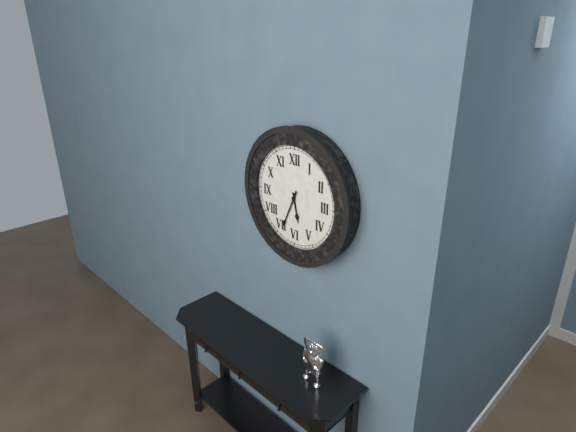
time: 5:34
